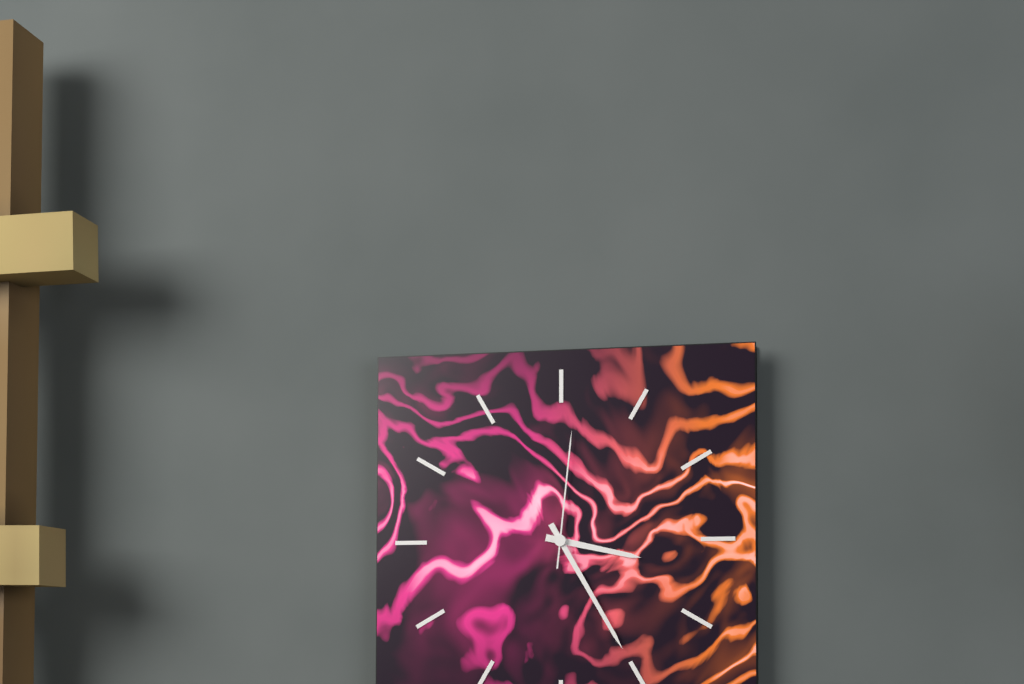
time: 3:25:01
